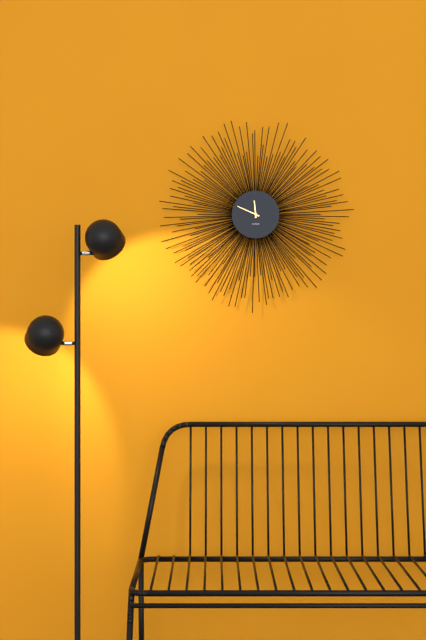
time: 11:49
